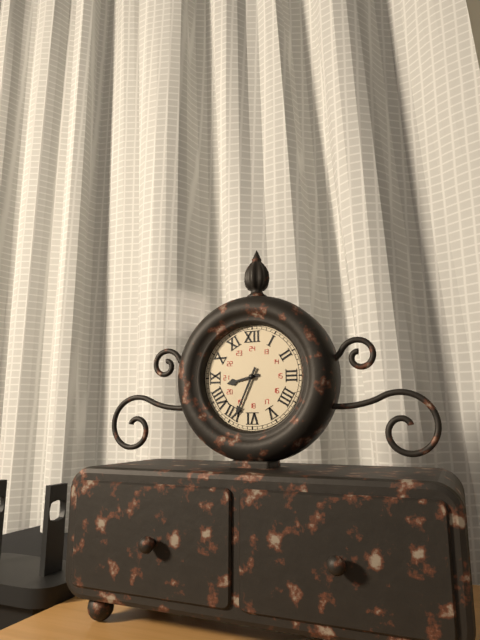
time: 8:34
